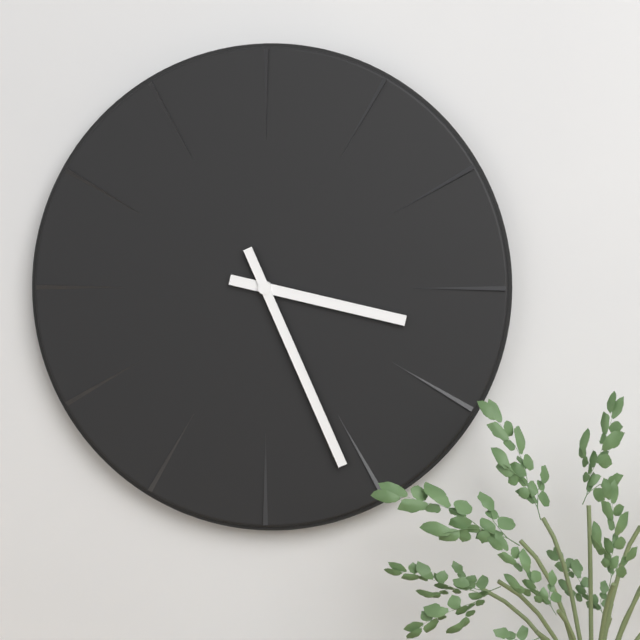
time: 3:26
